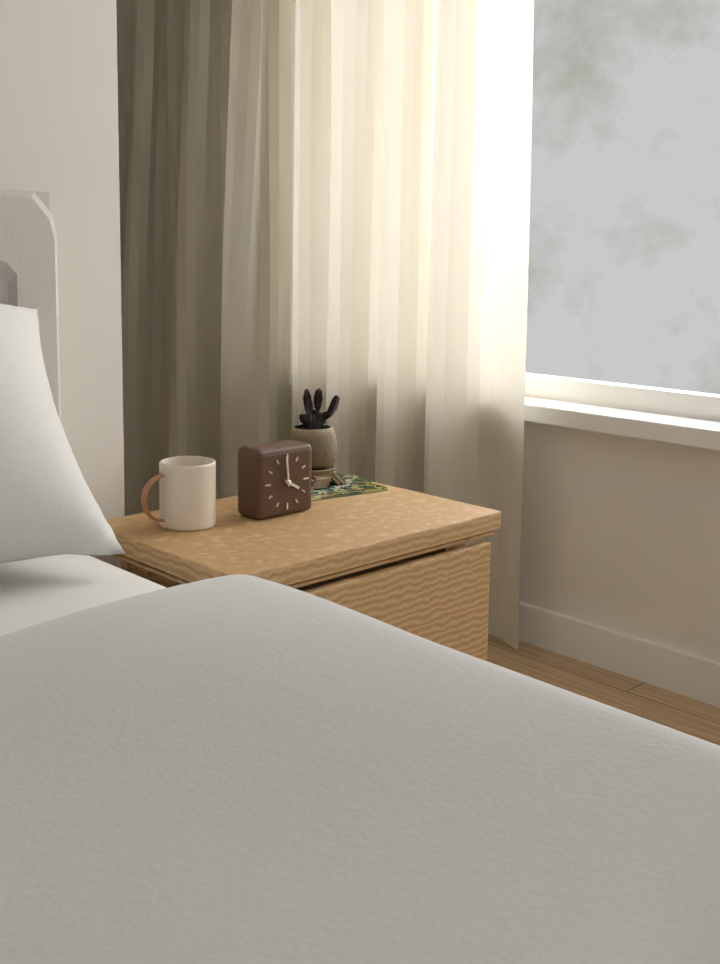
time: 3:59
